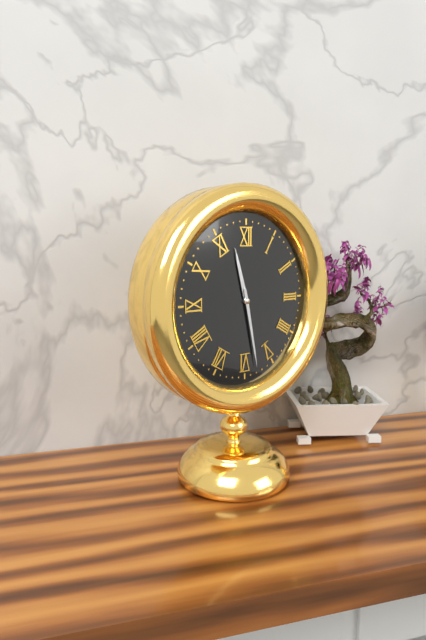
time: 11:28
